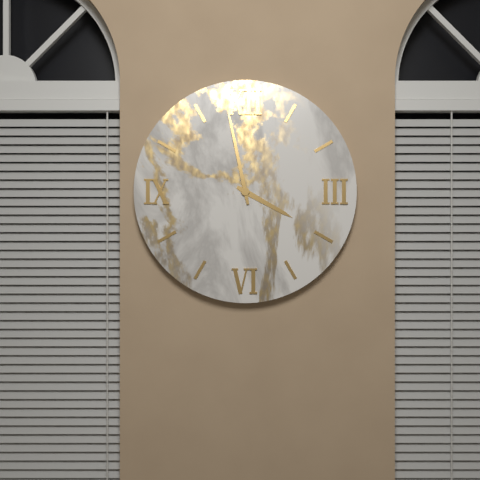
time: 3:58
